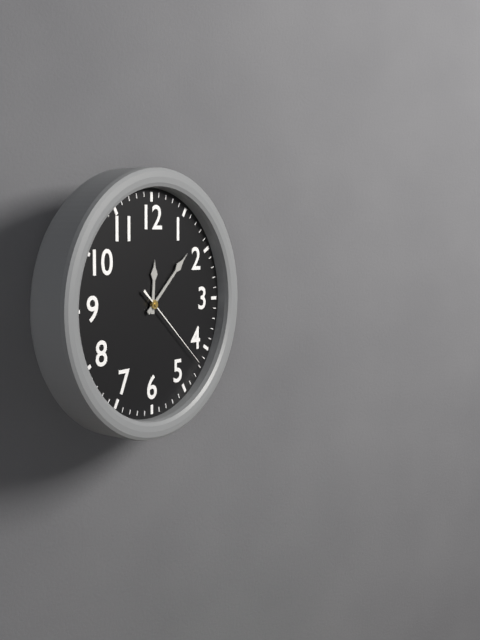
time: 12:08:22
